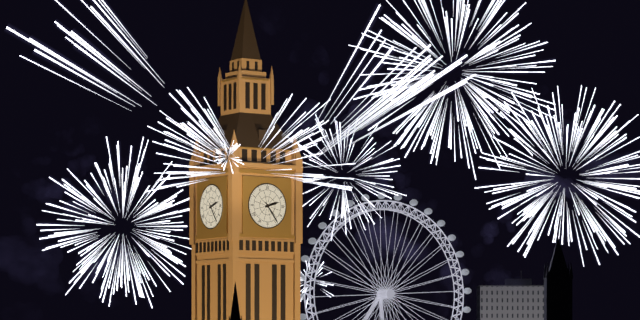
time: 2:24
